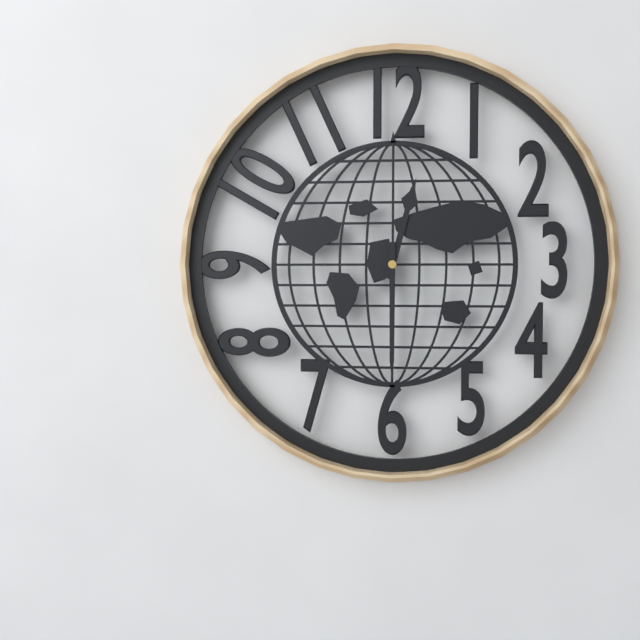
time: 12:30
